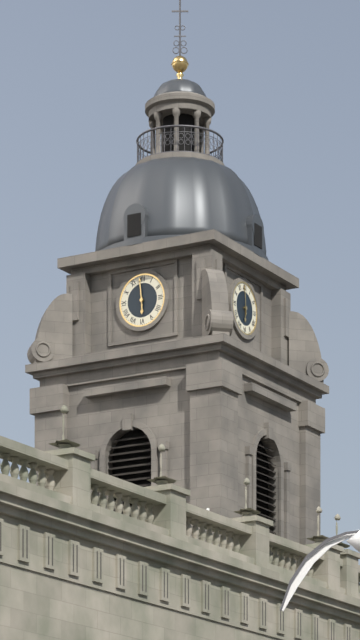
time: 5:59
